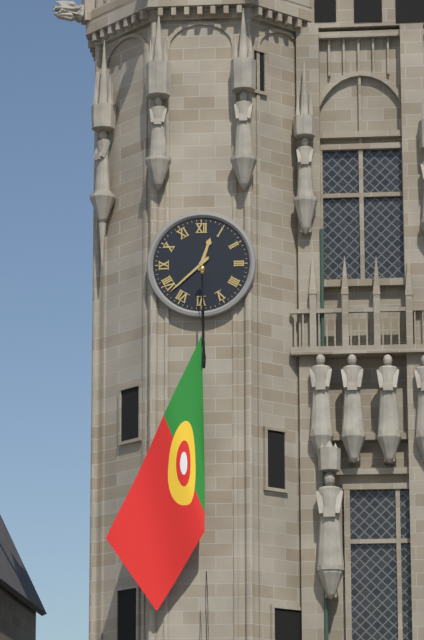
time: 12:38
